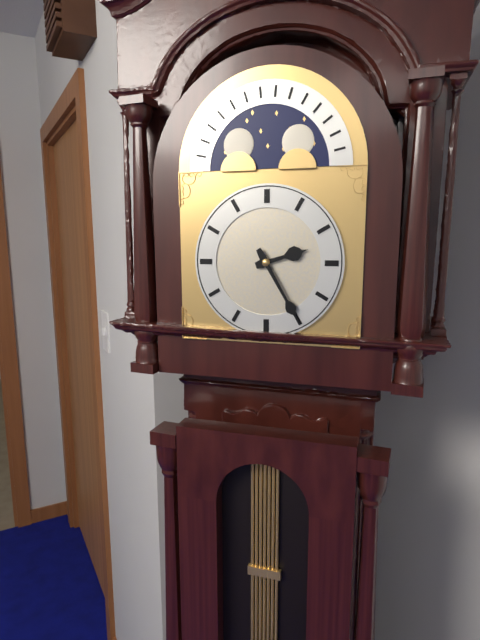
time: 2:25
